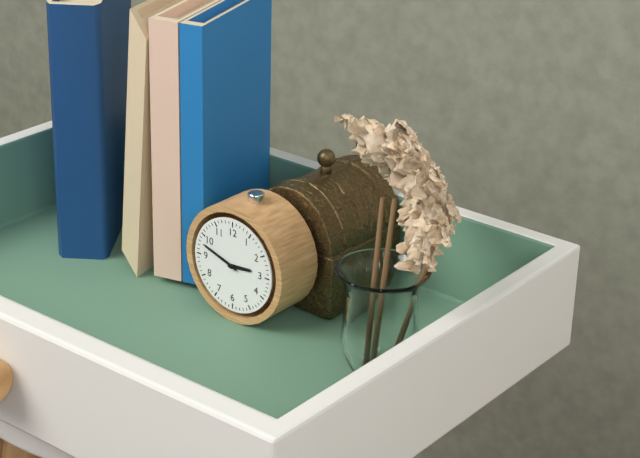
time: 2:48
